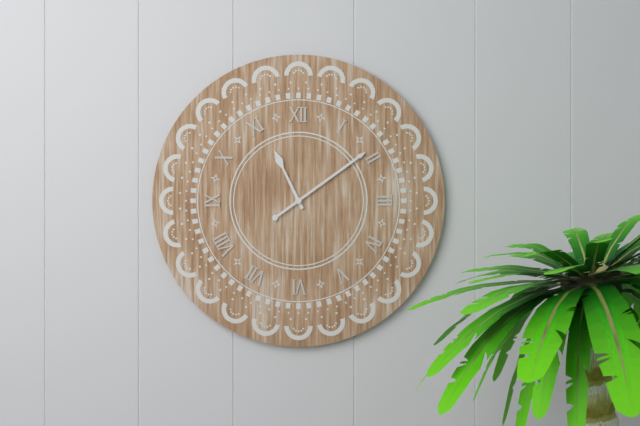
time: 11:09
